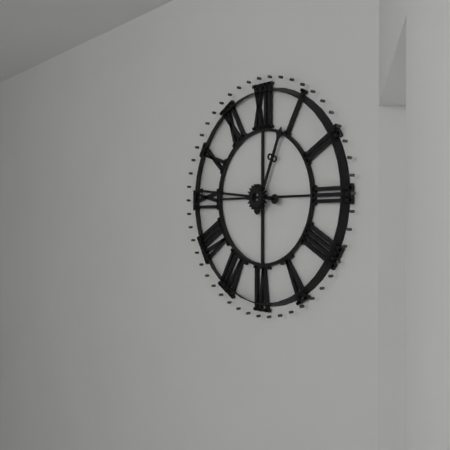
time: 12:46
